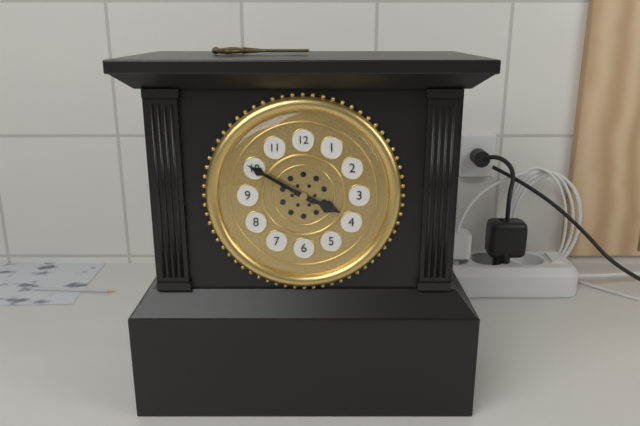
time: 3:50
